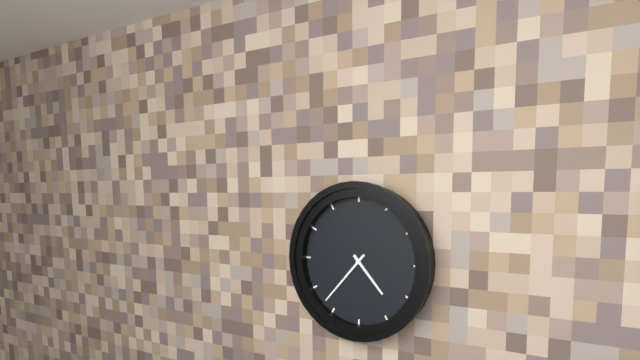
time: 4:37
